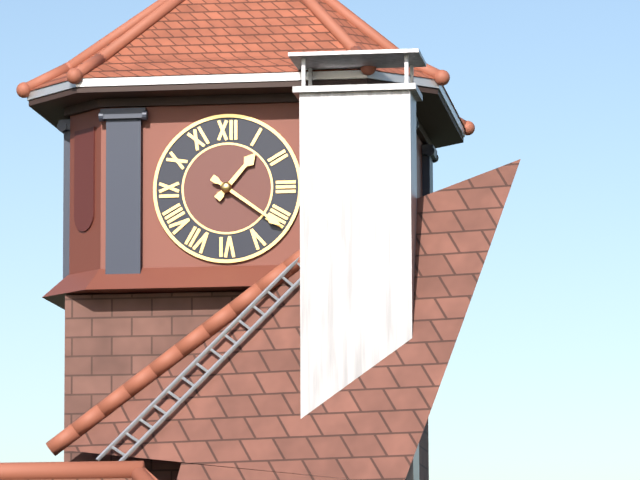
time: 1:21
